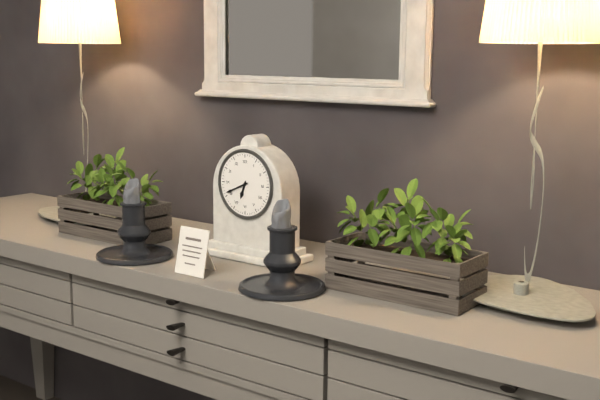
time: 6:41
